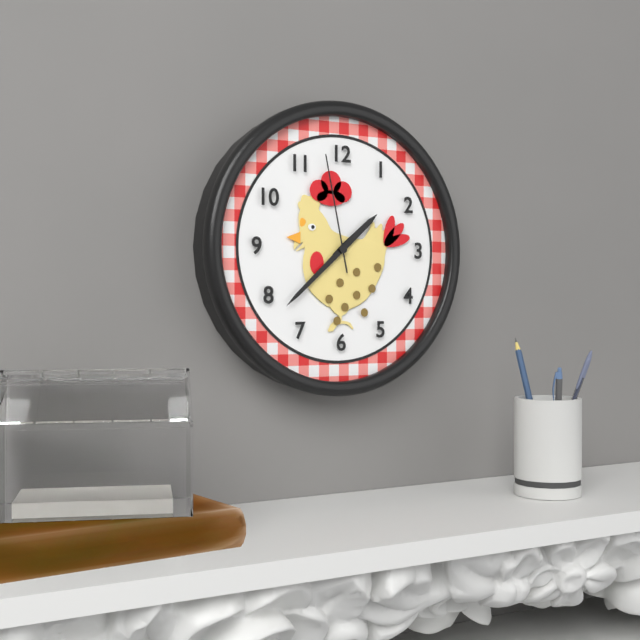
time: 1:38:58
